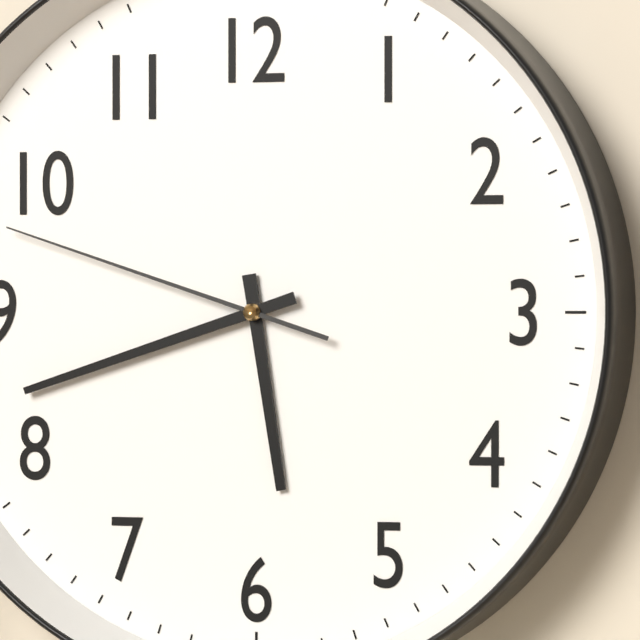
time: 5:42:48
